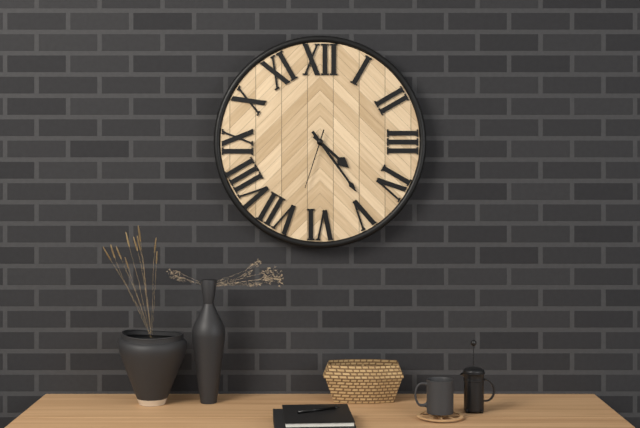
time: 4:24:33
